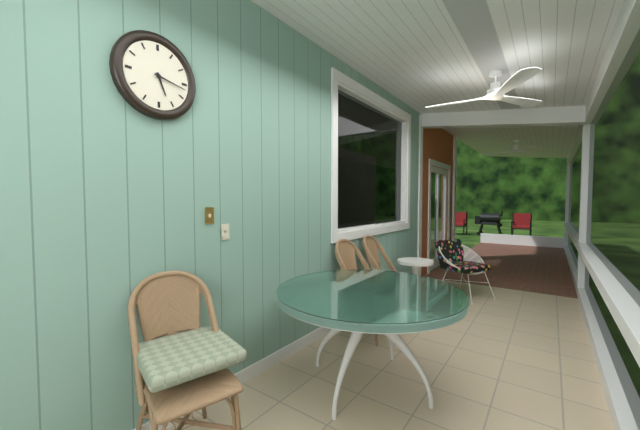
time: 5:17
